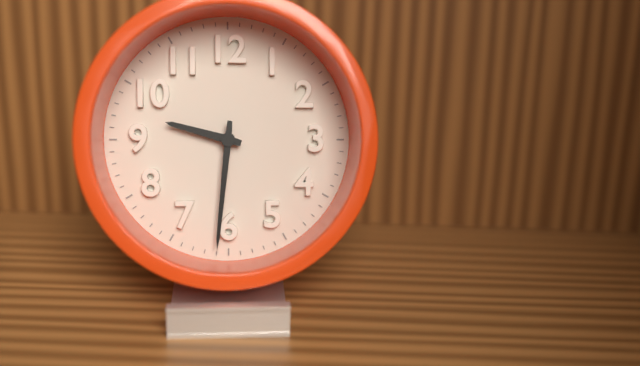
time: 9:31
